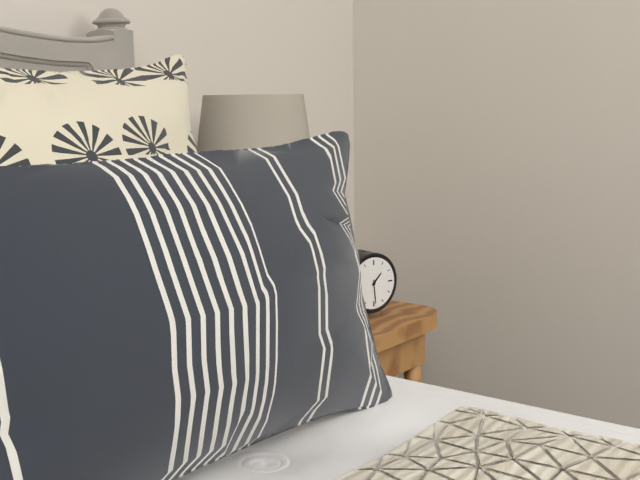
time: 1:29
